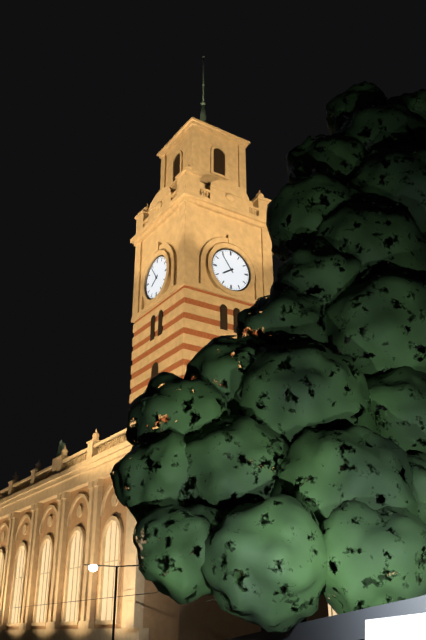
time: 7:54
